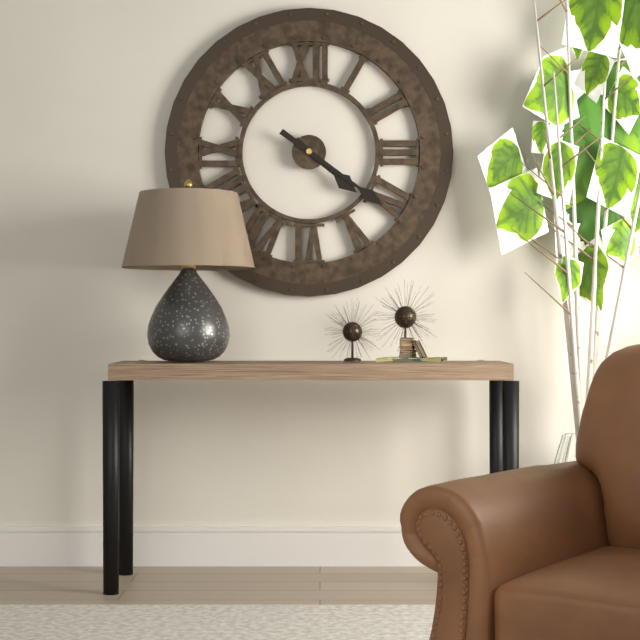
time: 4:21
